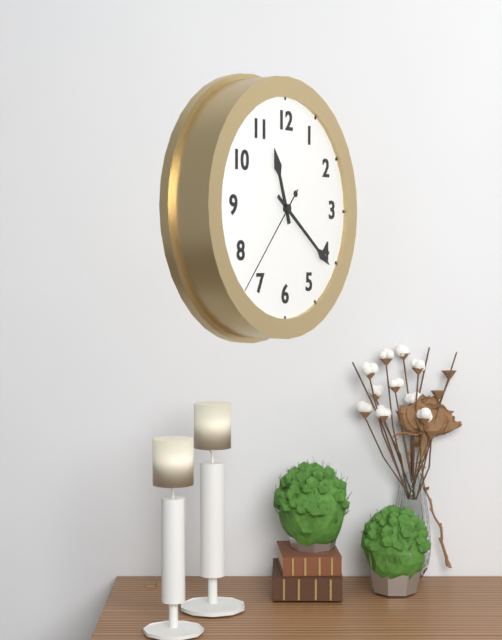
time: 11:21:37
